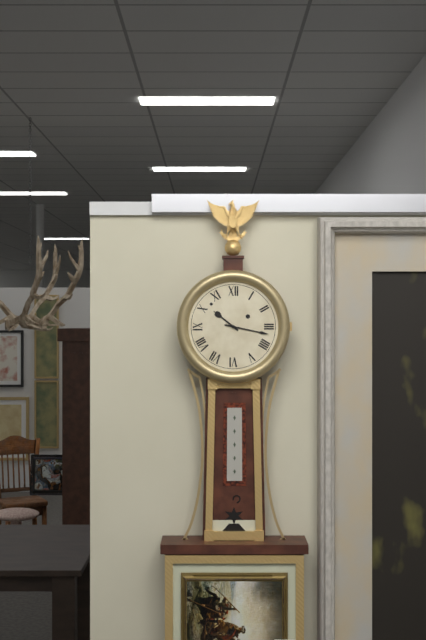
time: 10:17
